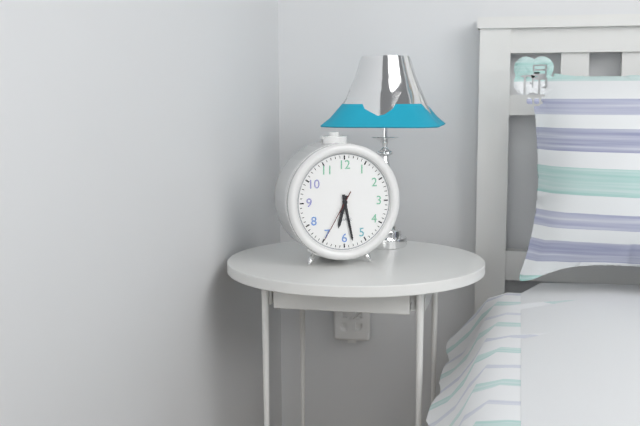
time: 6:28:35
